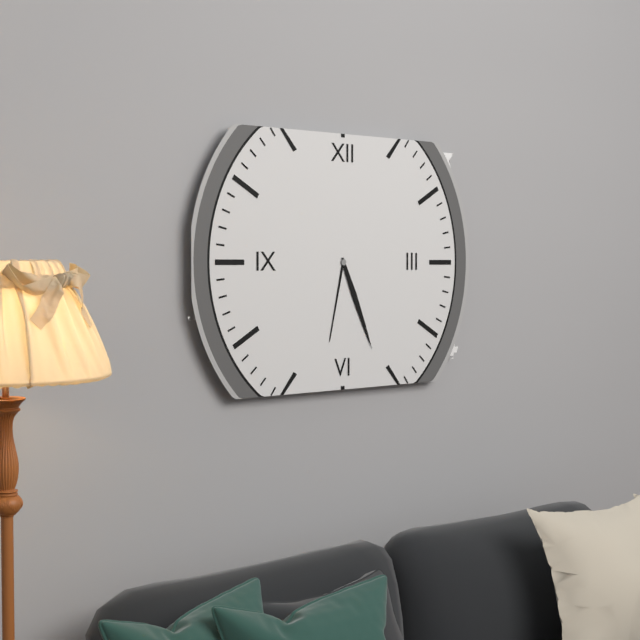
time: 6:26
